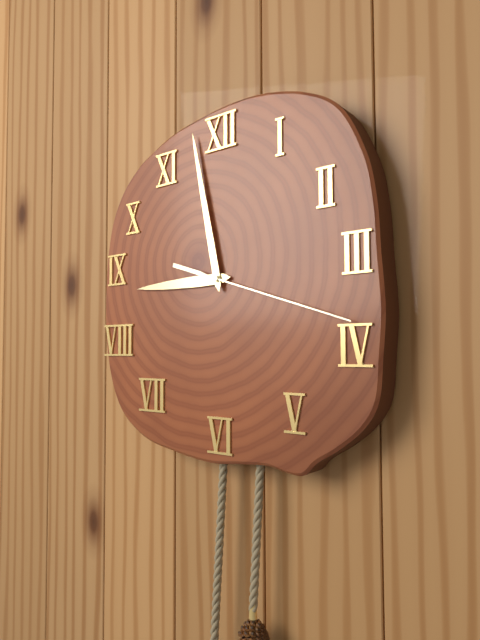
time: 8:58:18
